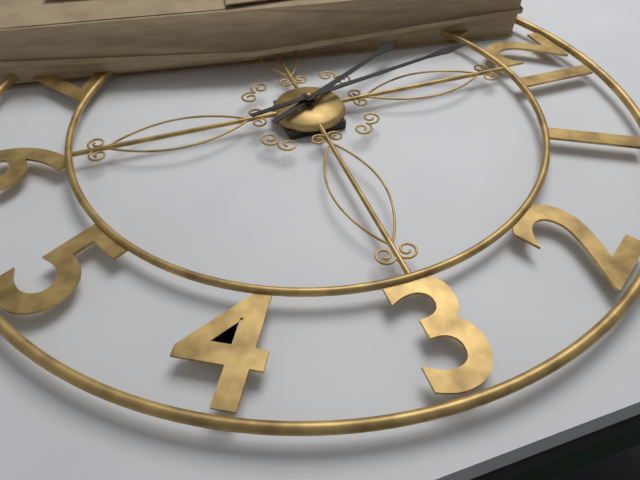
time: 10:58
